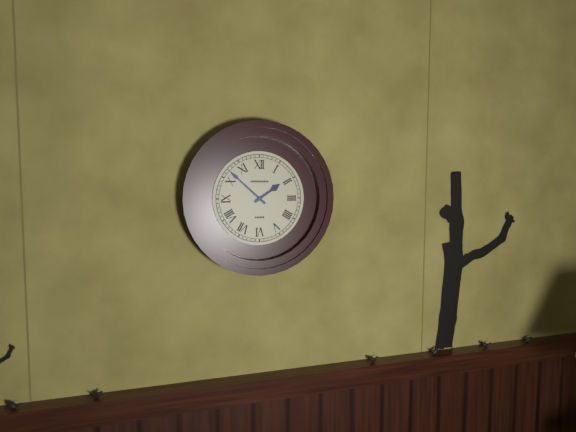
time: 1:52
